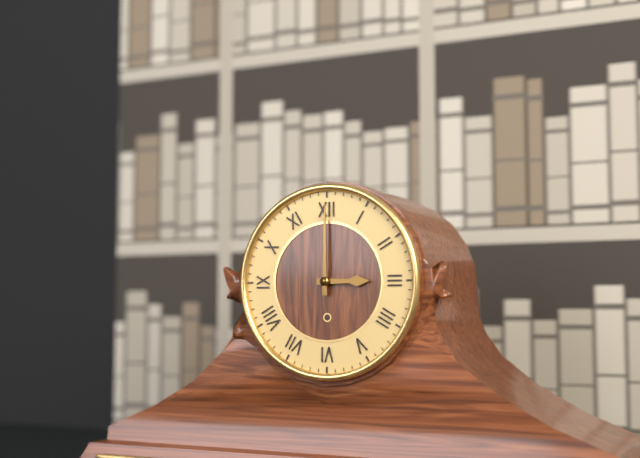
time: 3:00
